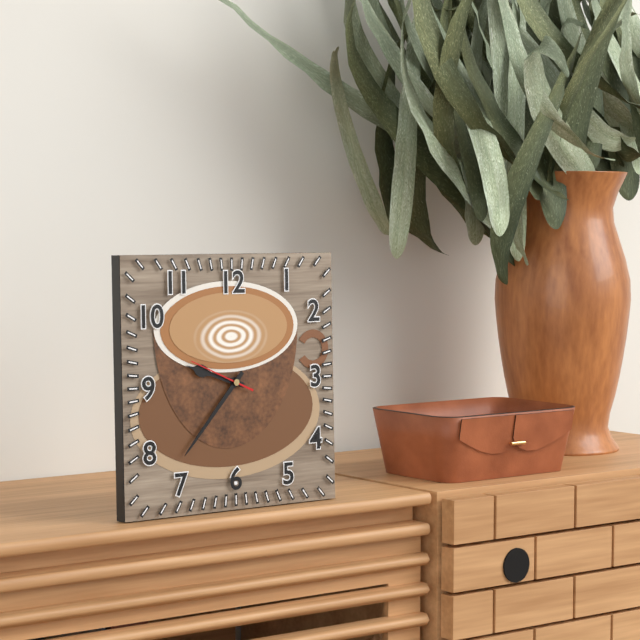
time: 9:37:49
